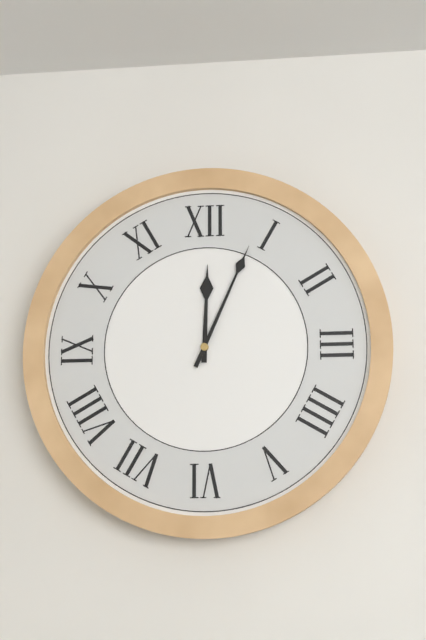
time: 12:04
